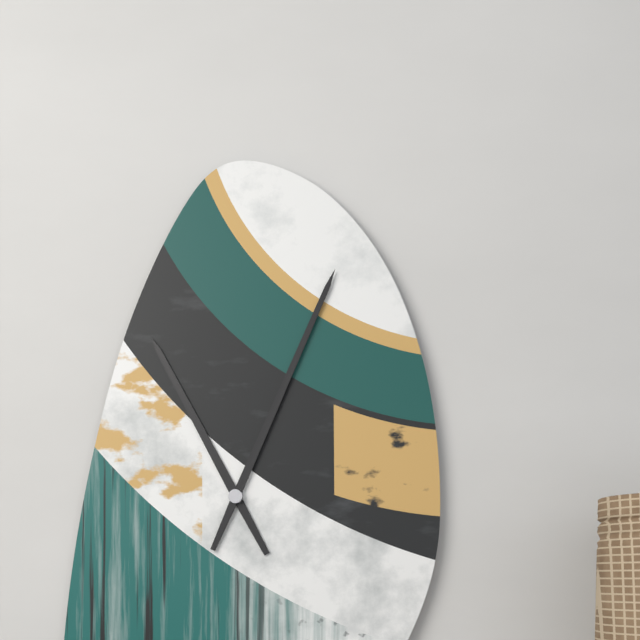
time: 11:04
